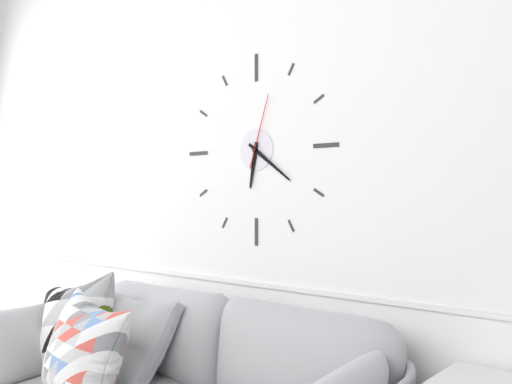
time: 6:21:03
